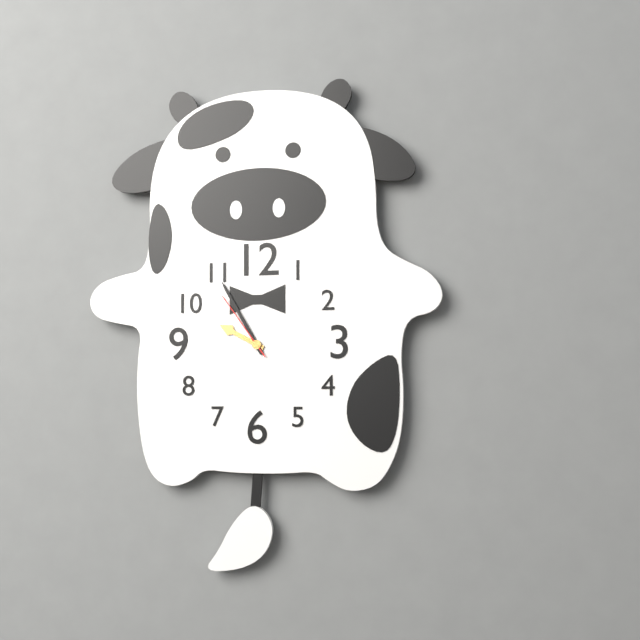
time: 9:55:54
